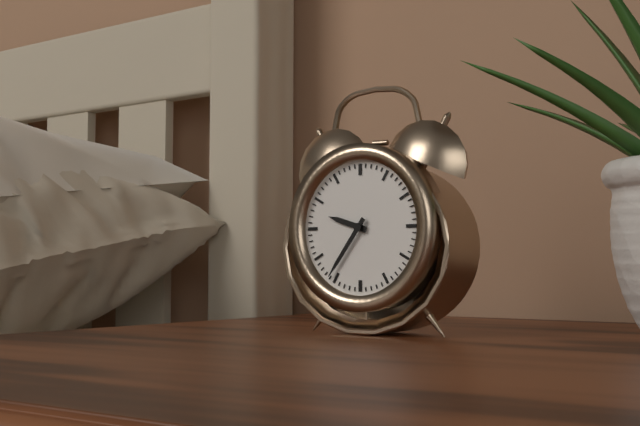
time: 9:36
